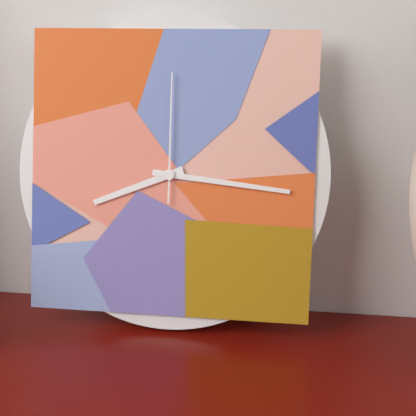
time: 8:16:00
